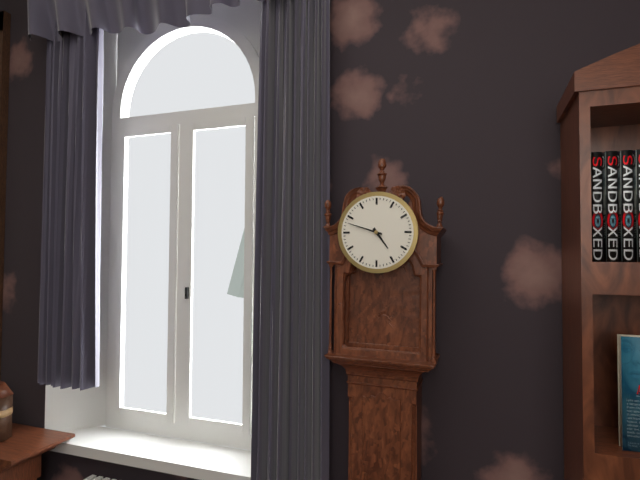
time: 4:48
